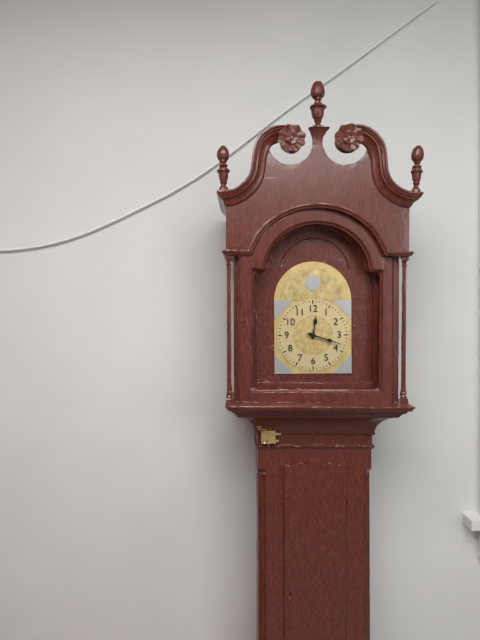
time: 12:18
